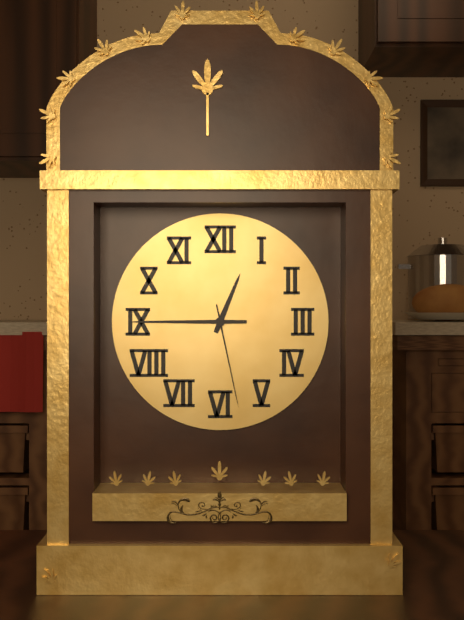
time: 12:45:28
